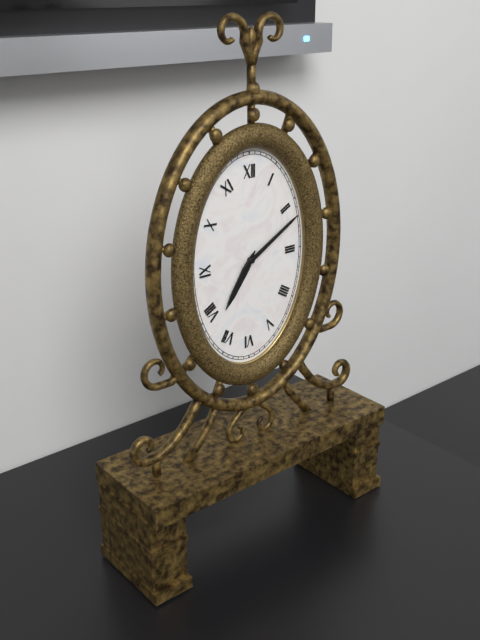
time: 7:10
